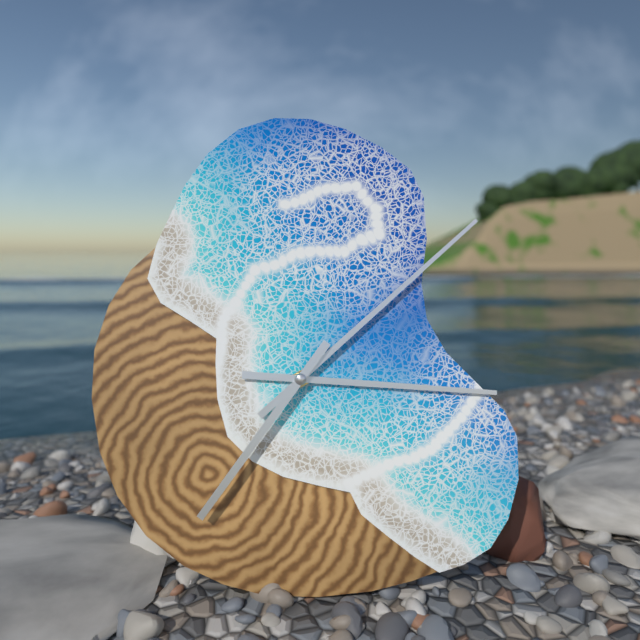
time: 3:08:36
